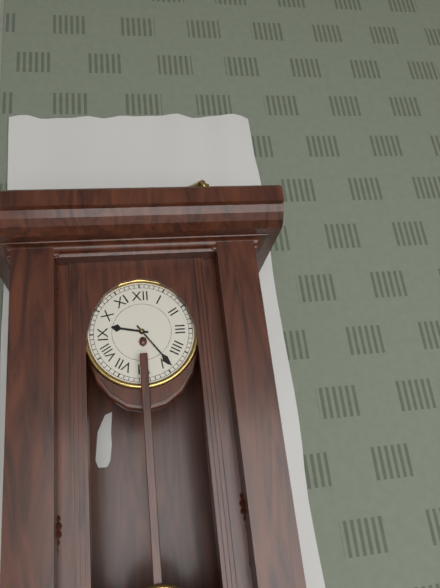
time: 9:24
